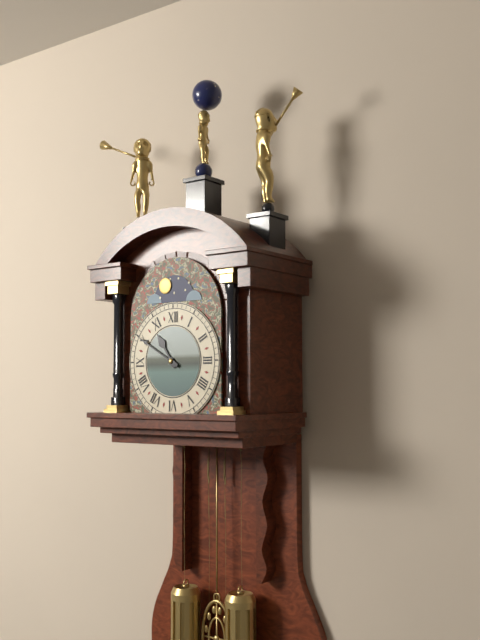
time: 10:50
